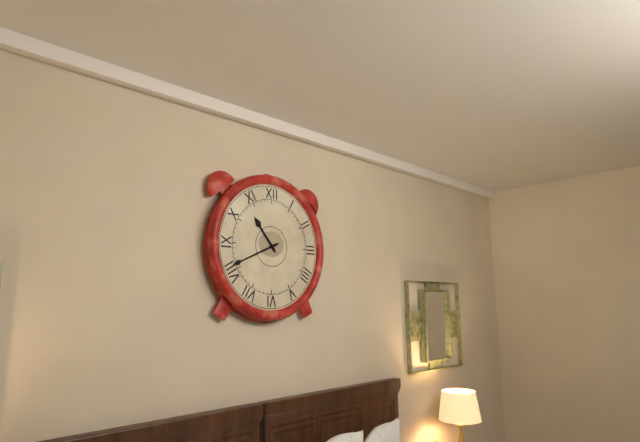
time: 10:41
